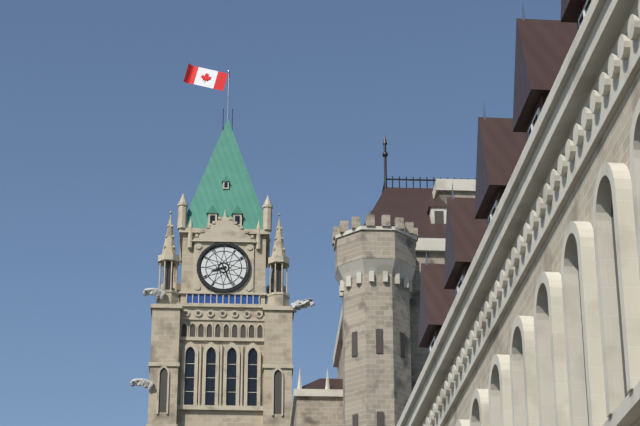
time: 8:26
